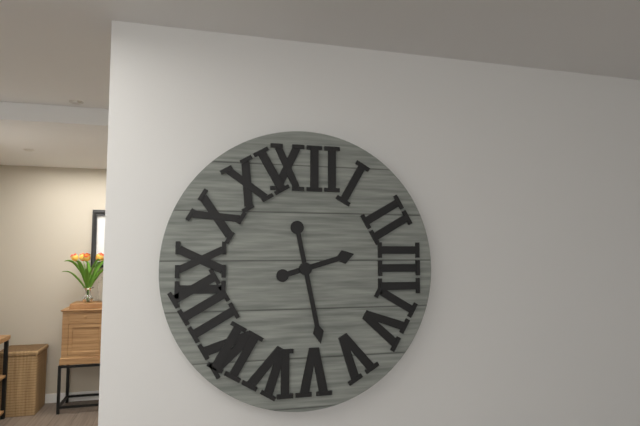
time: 2:28
